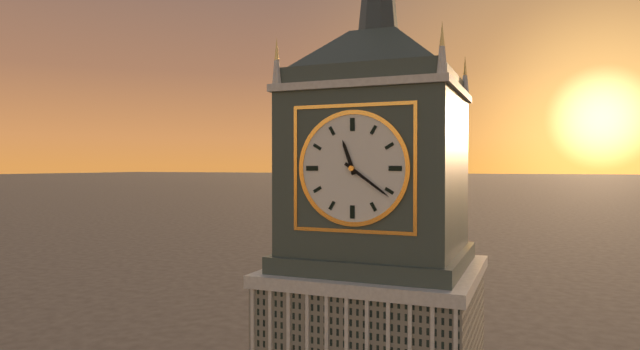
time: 11:21
